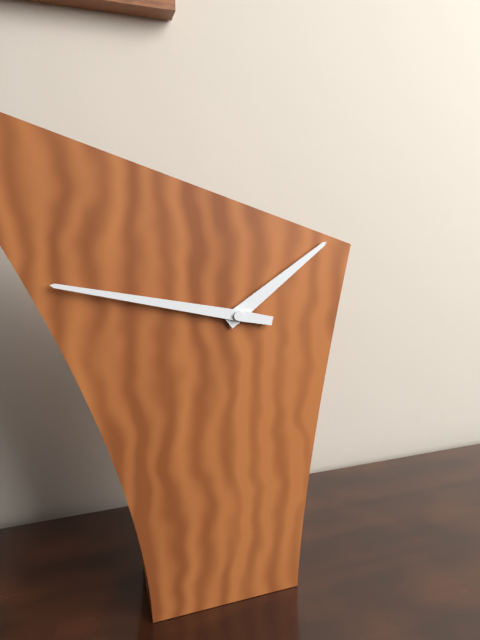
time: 1:47
